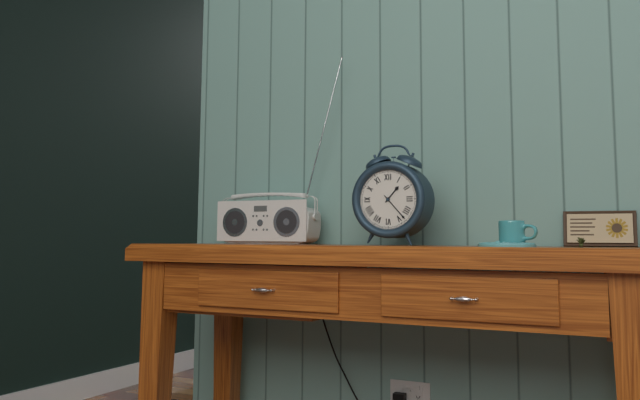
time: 1:23
